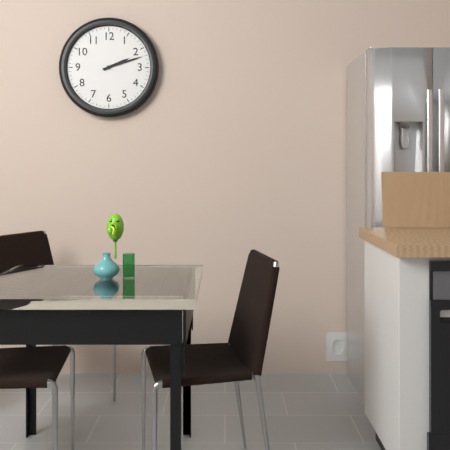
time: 2:12
